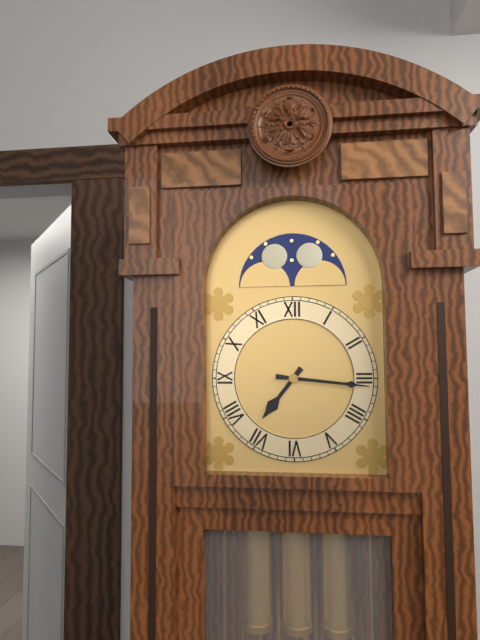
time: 7:16
